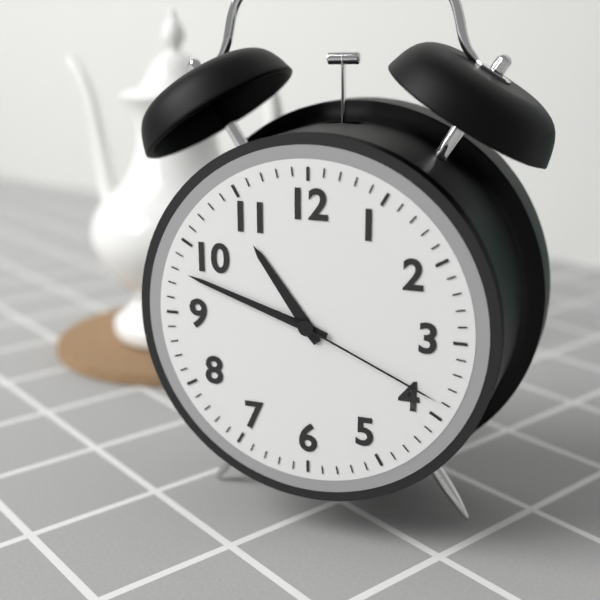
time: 10:48:19
